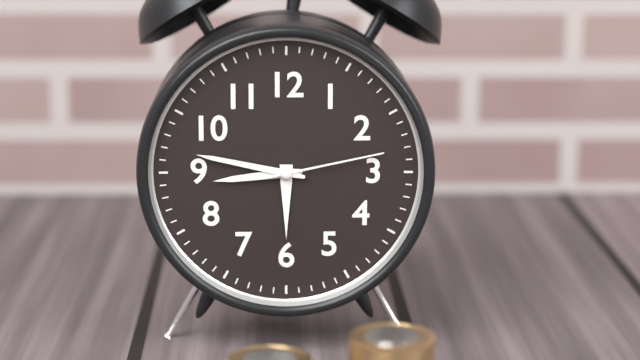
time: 8:47:13
